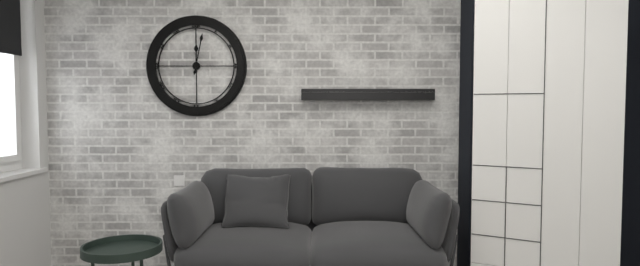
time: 12:02
